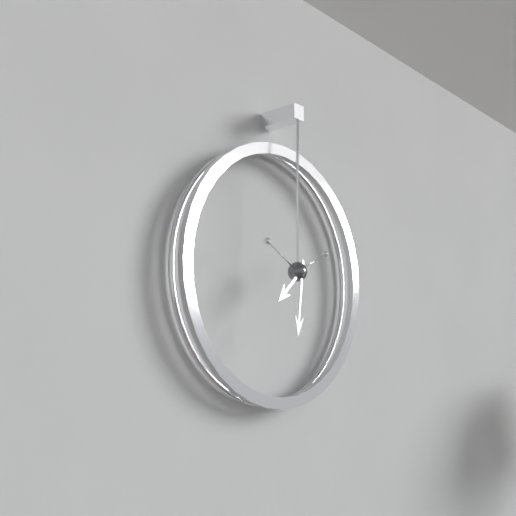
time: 7:31
